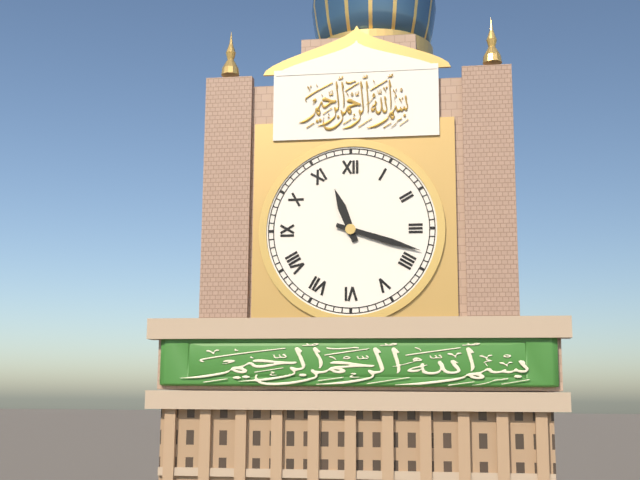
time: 11:18
